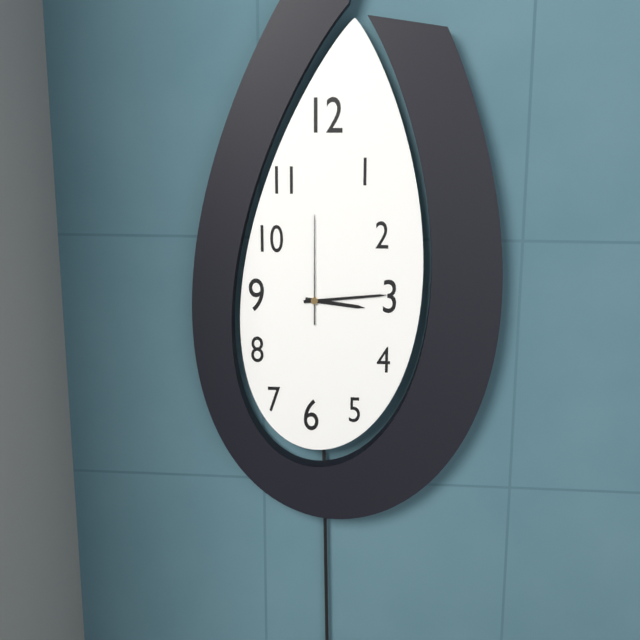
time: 3:14:00
